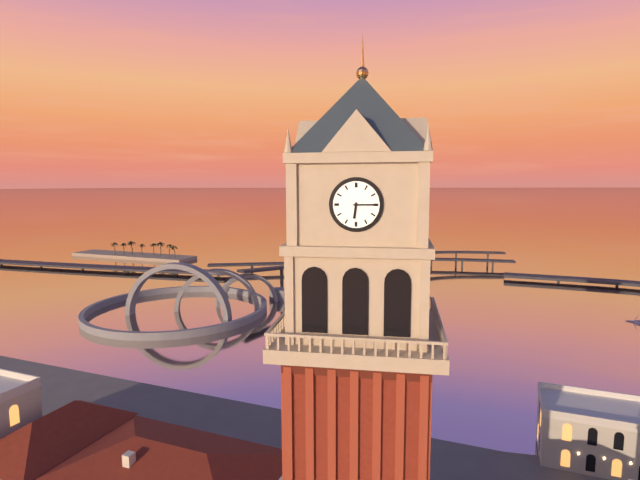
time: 6:15
